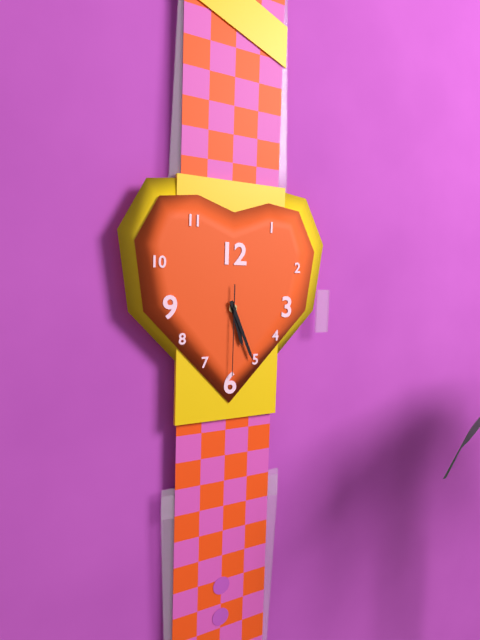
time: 5:26:30
